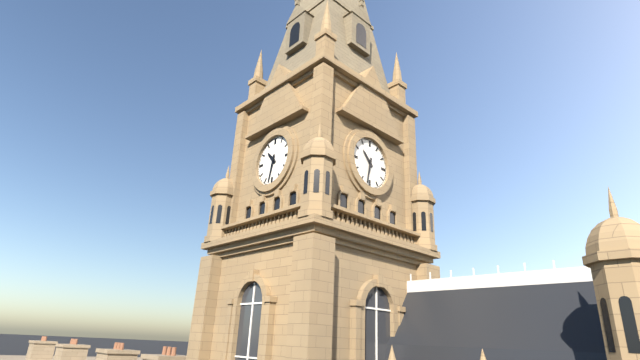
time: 10:32
